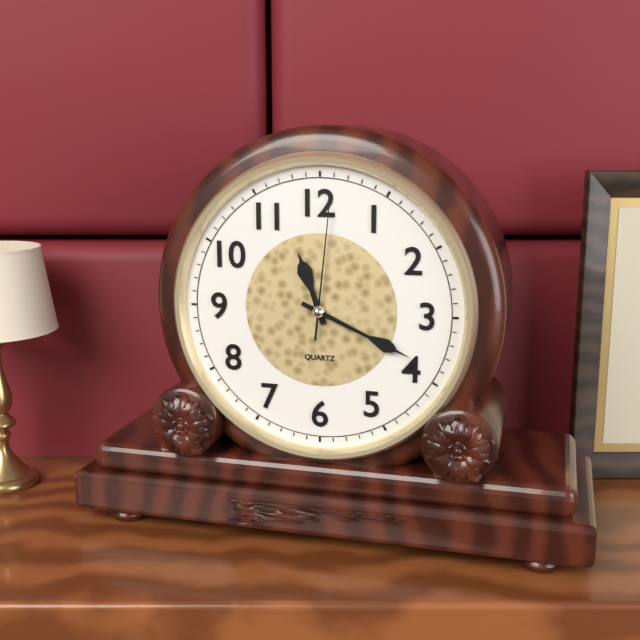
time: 11:19:01
